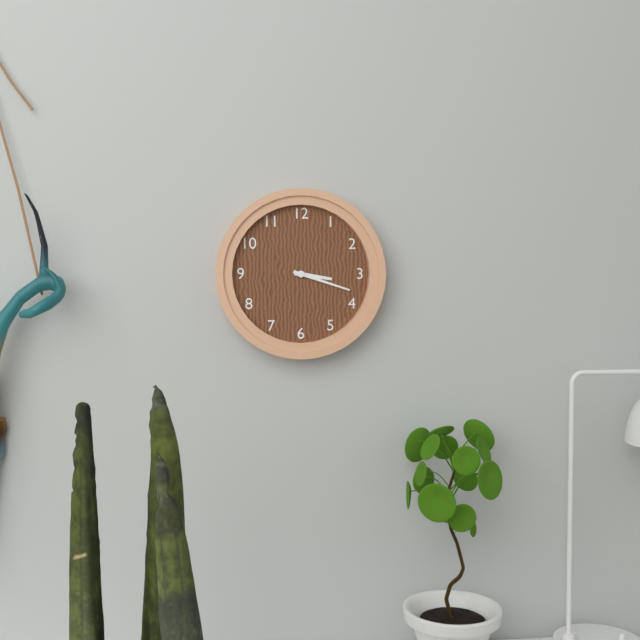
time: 3:18
